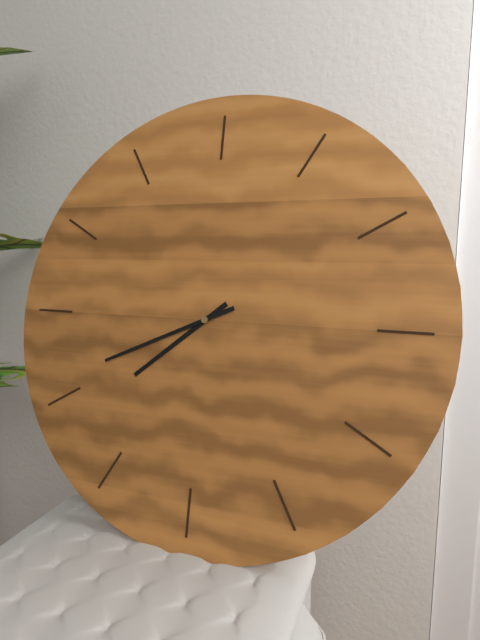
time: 7:41
